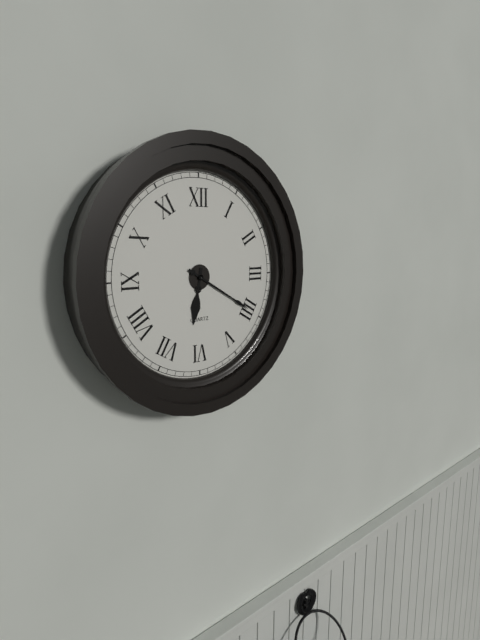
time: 6:20
